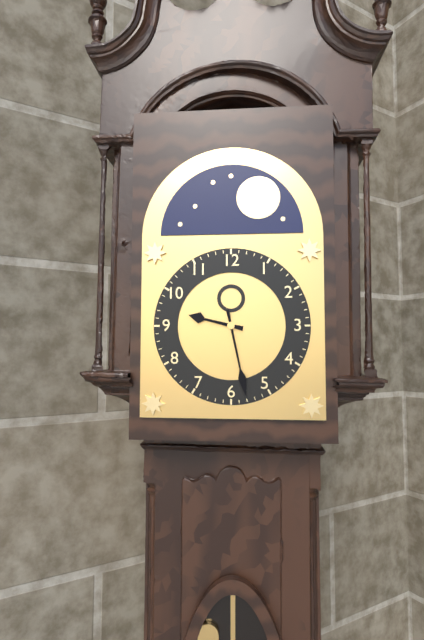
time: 9:28
